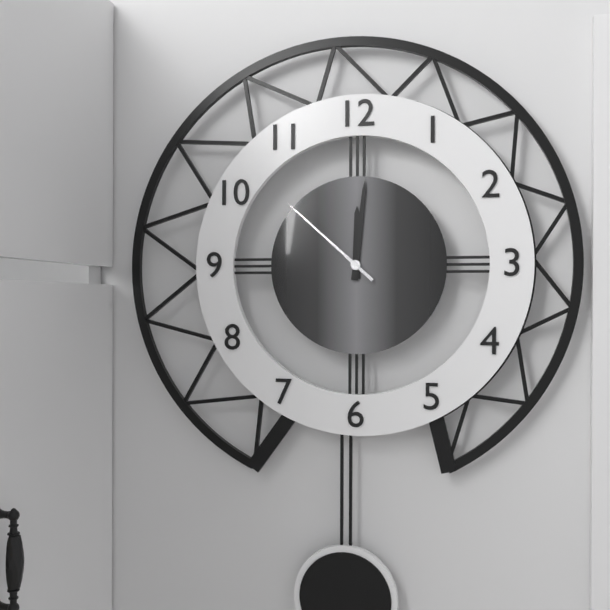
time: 12:01:52
